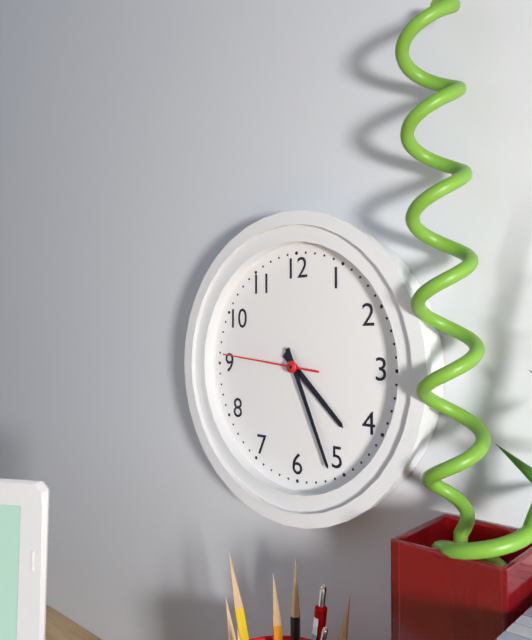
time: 4:26:46
